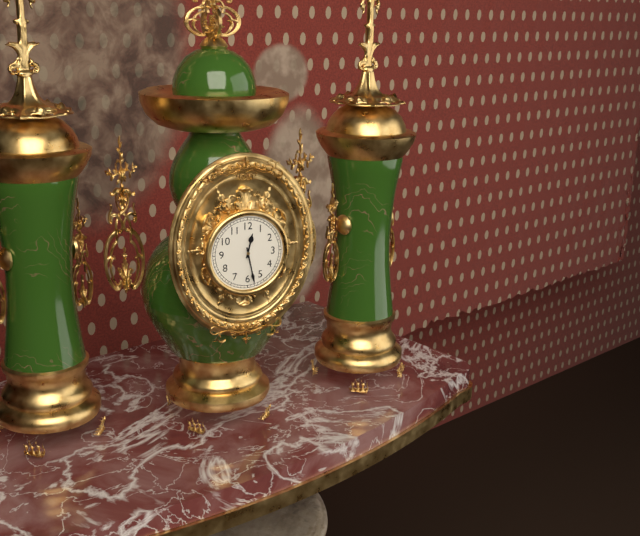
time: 12:28
